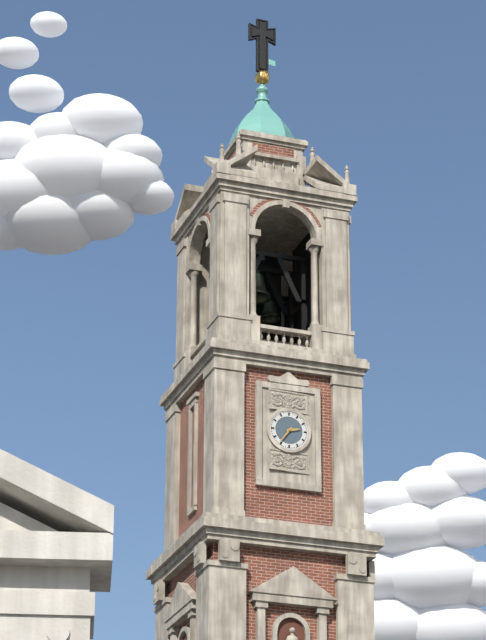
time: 2:36
